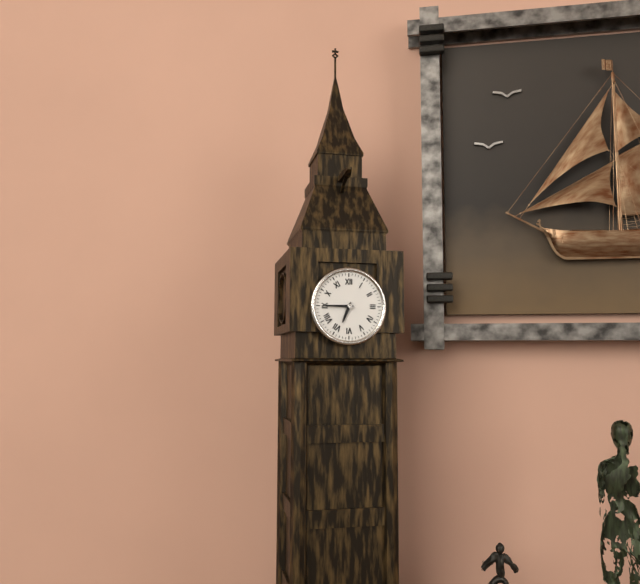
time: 6:45
